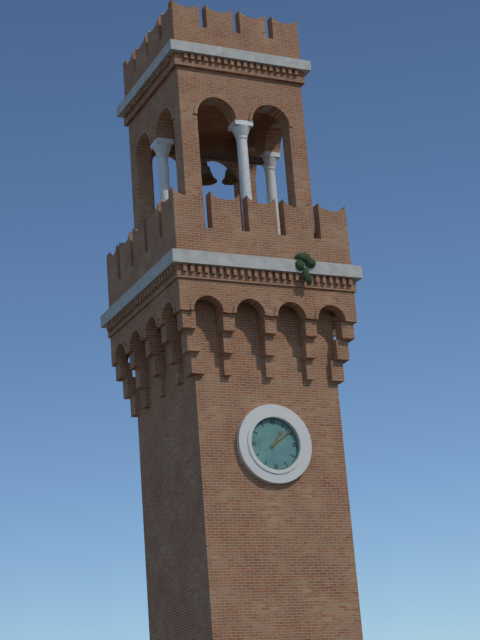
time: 1:09
